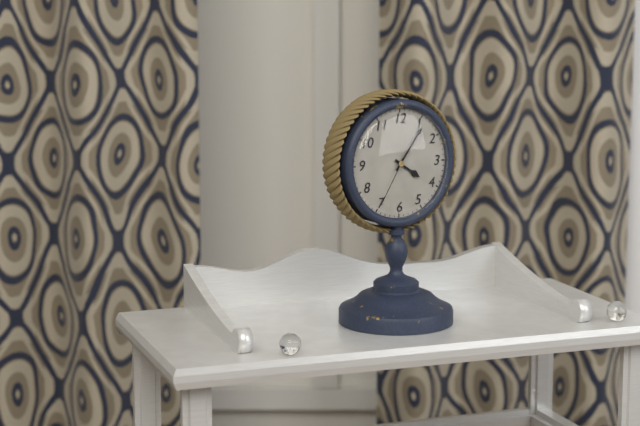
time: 4:06:35
